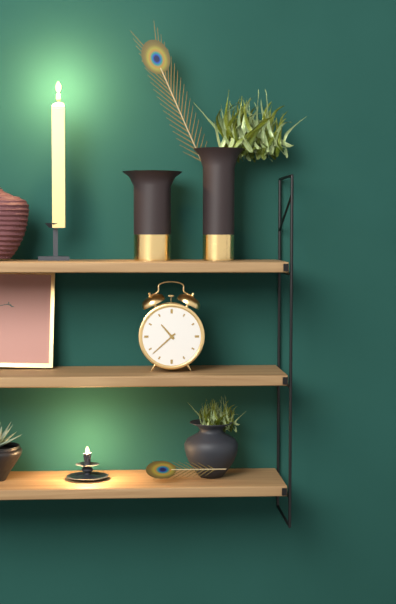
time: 10:38
